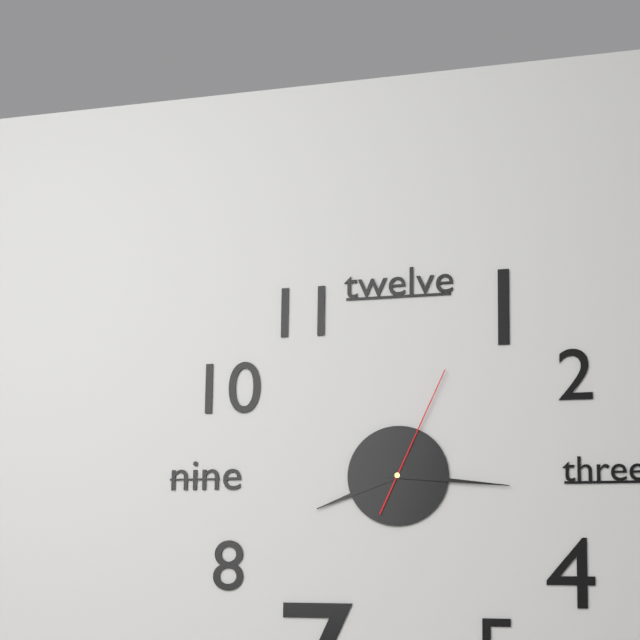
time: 8:16:04
